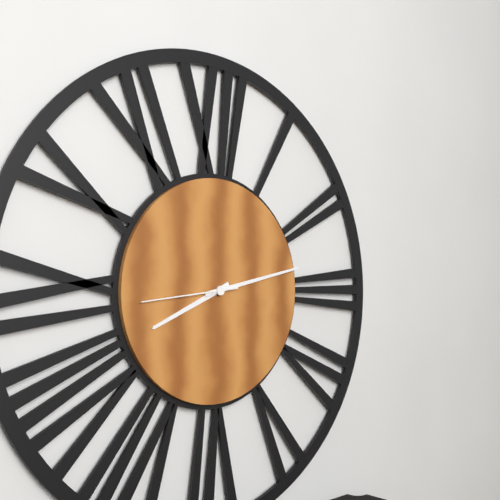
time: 8:13:44
